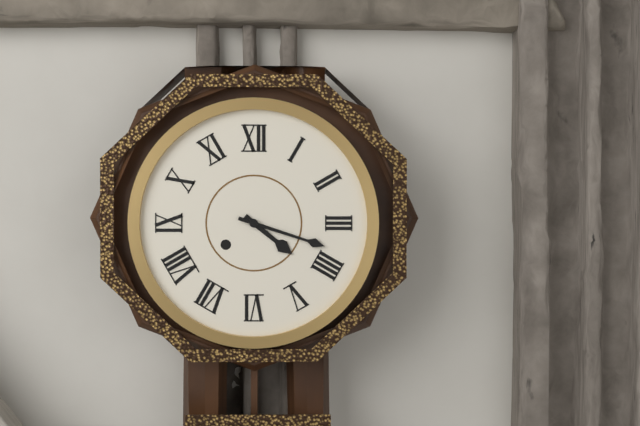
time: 4:18
